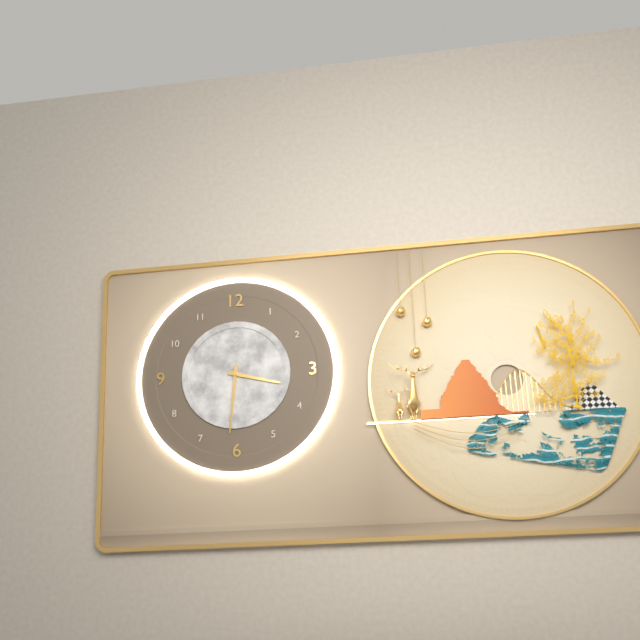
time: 3:31
